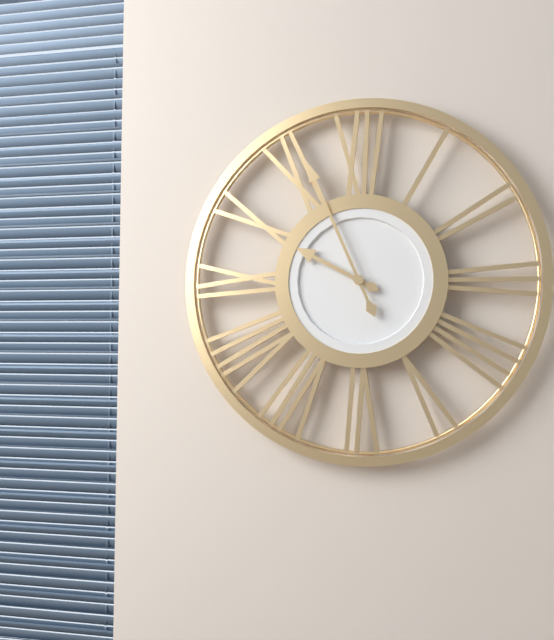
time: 9:56
